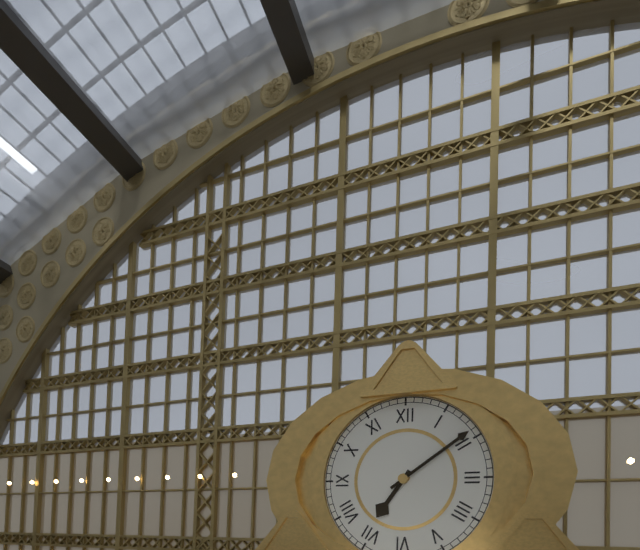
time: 7:09
